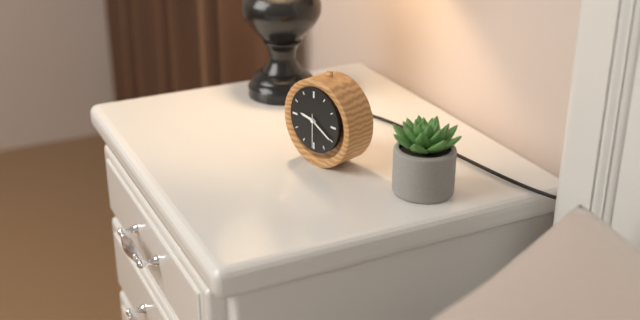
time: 9:20
